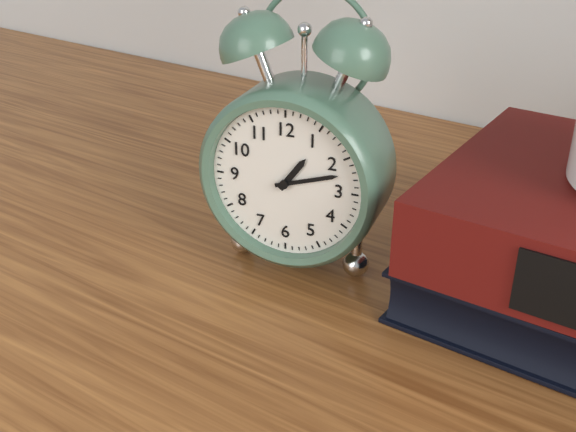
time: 1:12
